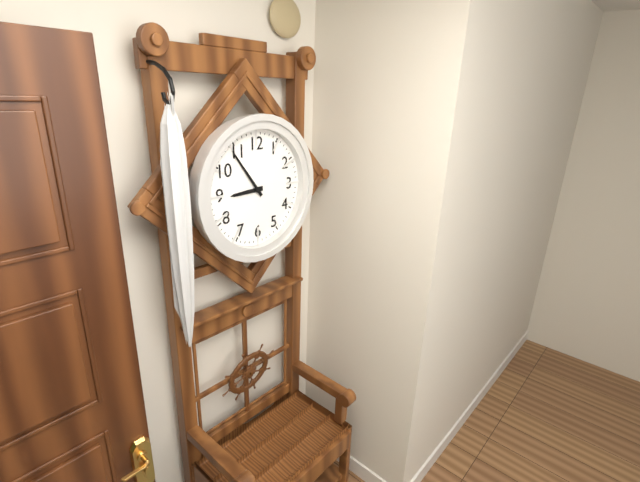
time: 8:54
